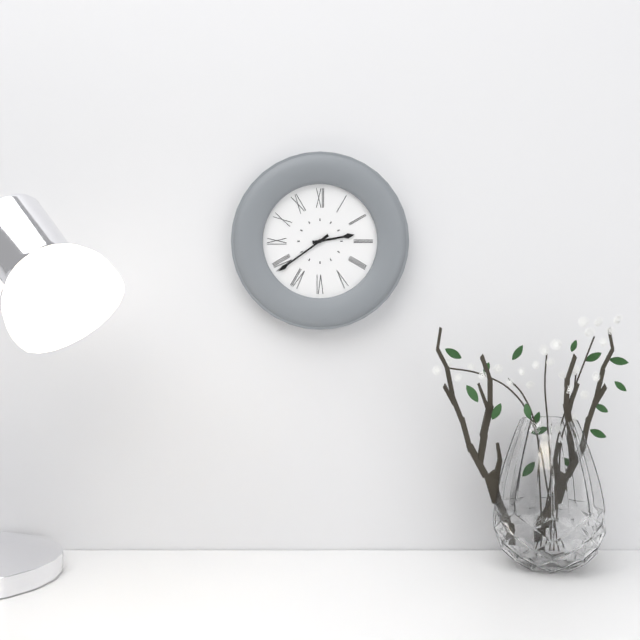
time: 2:39
